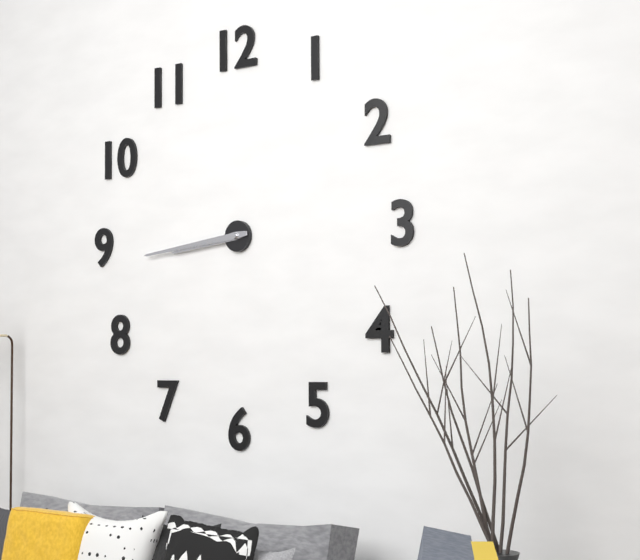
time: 8:44
